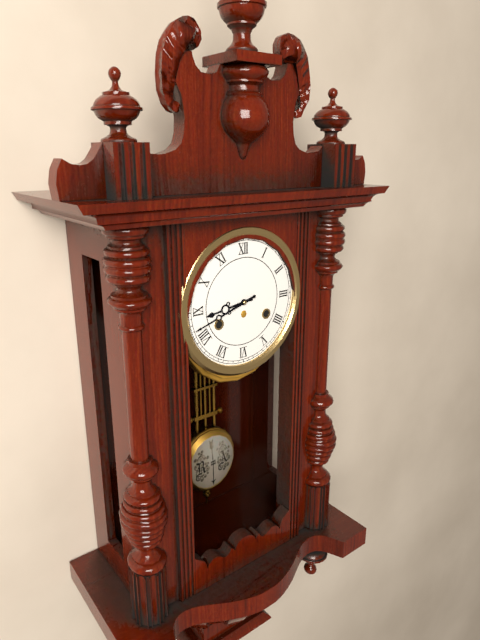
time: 8:42
